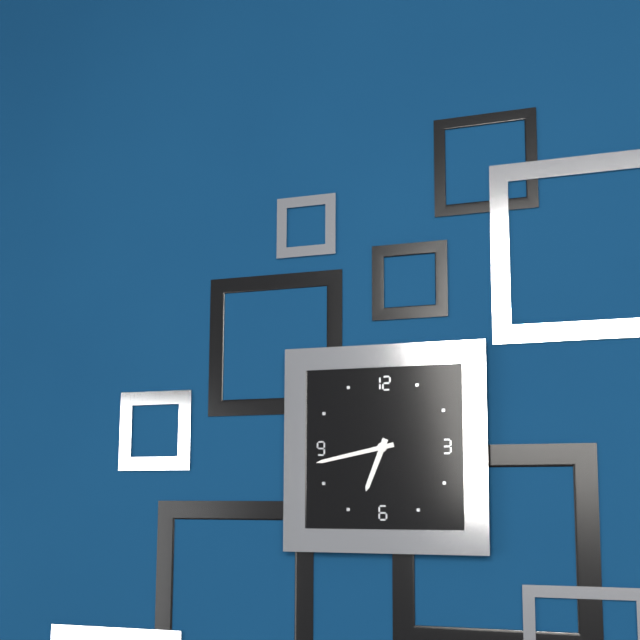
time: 6:43
